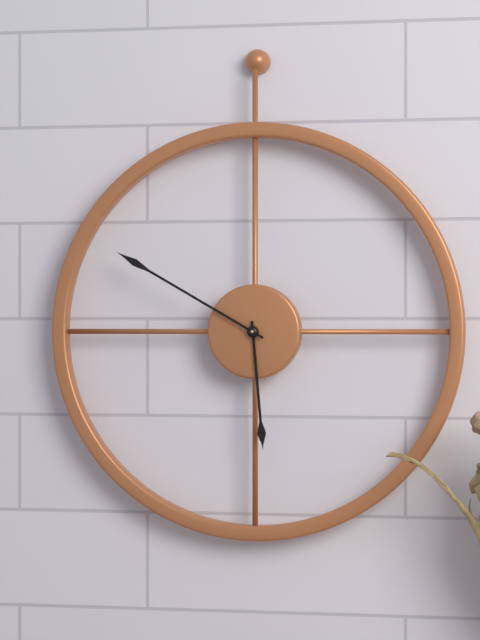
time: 5:50
